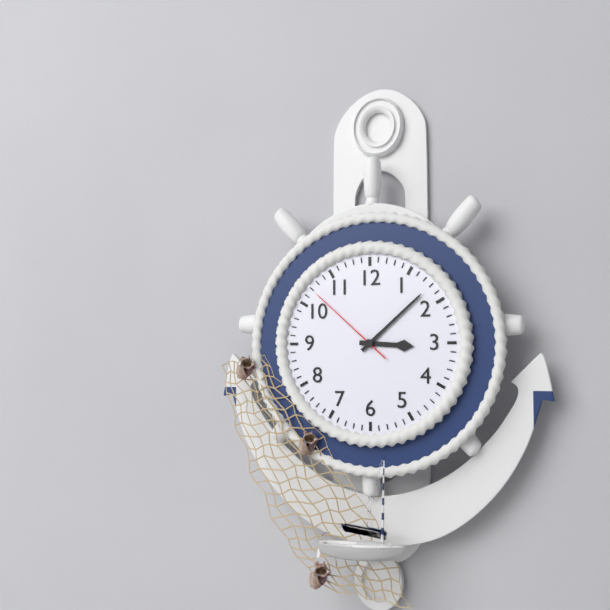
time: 3:08:52
